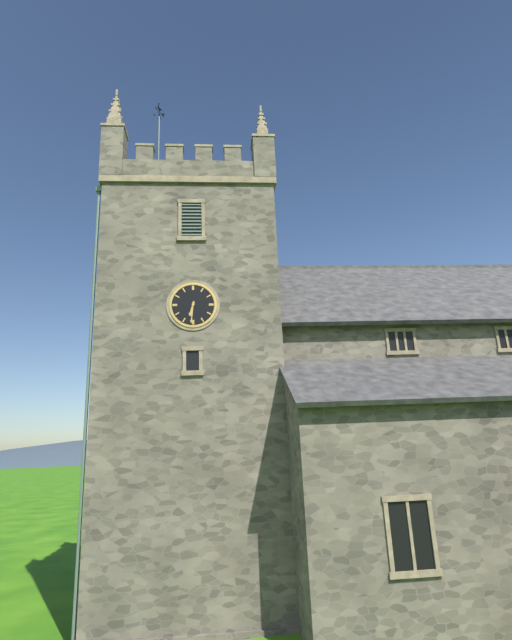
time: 6:31
